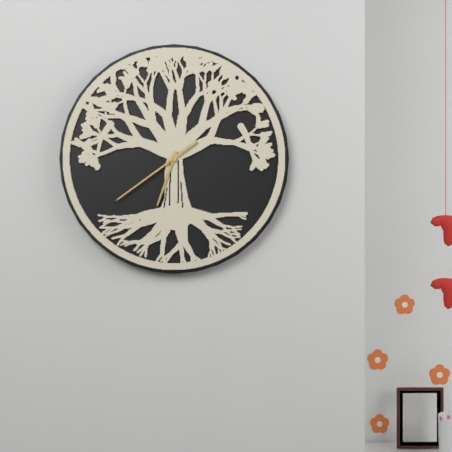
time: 6:39
